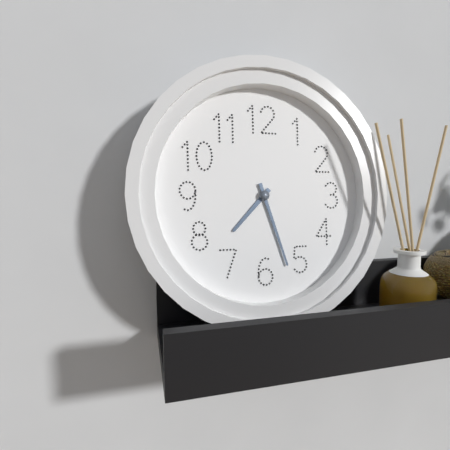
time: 7:27
